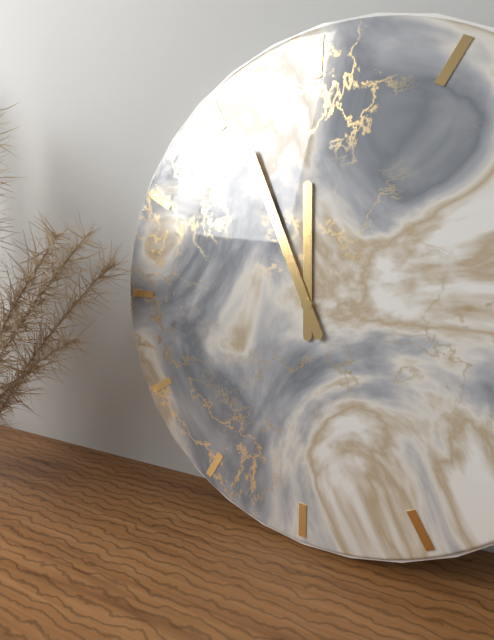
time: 11:56
